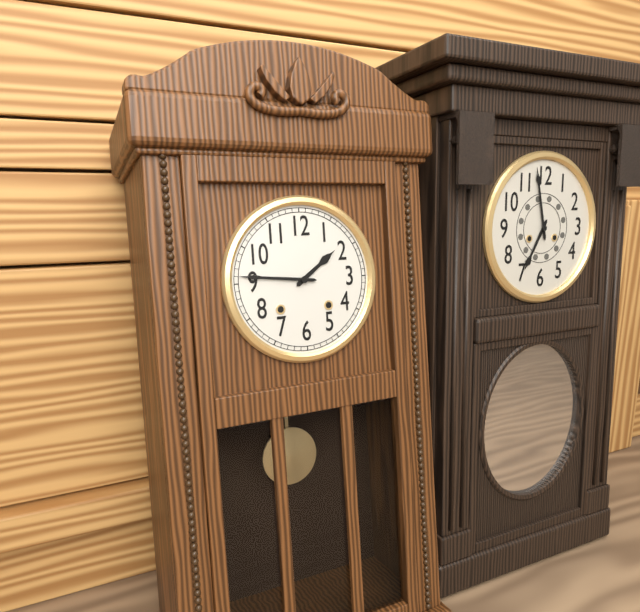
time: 1:46
